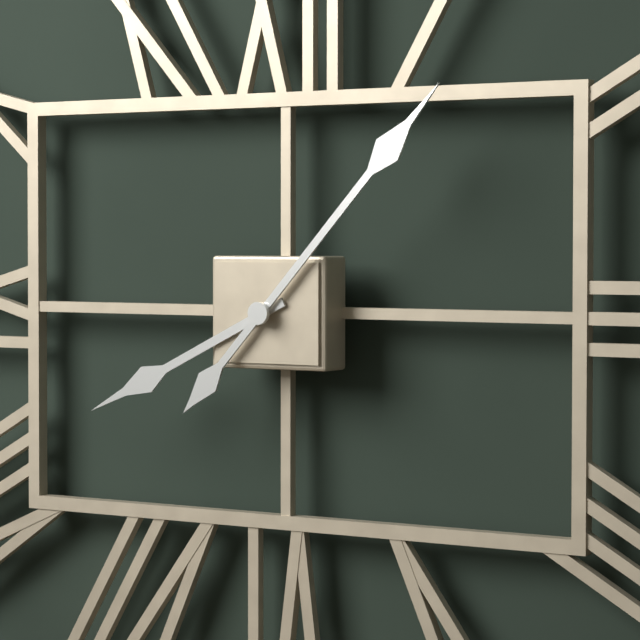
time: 8:07
